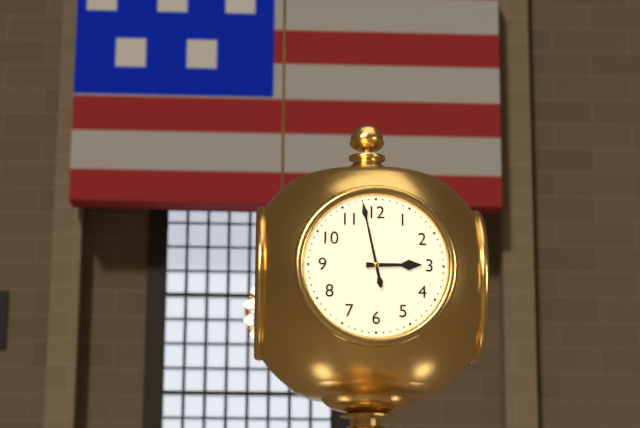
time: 2:58
